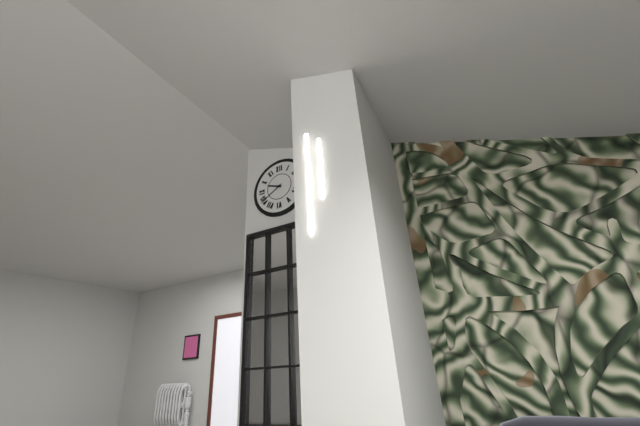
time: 9:40
